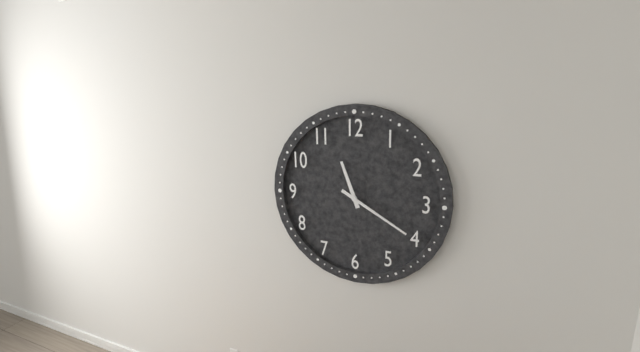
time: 11:20
